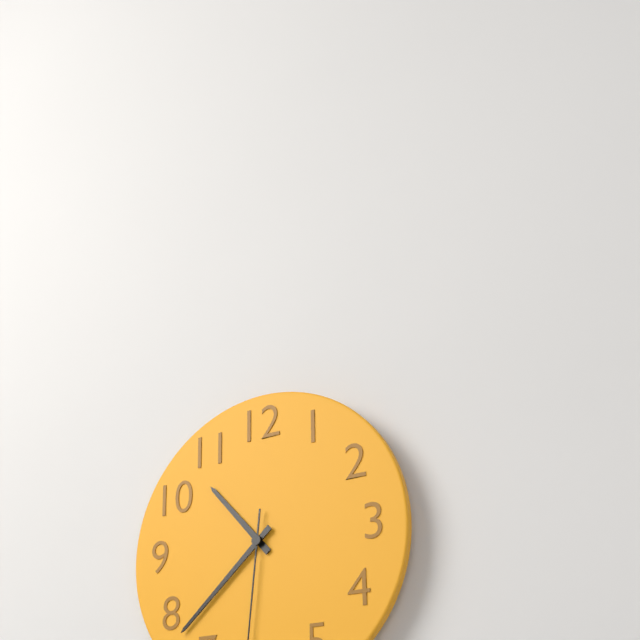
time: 10:38
